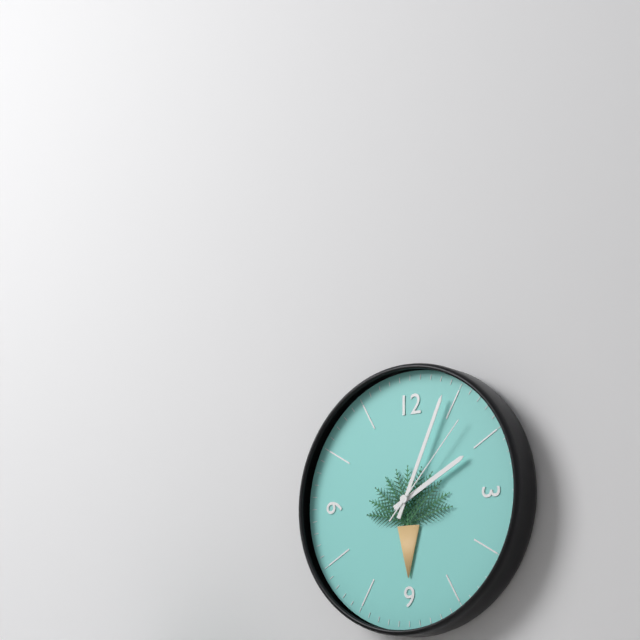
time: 2:04:07
